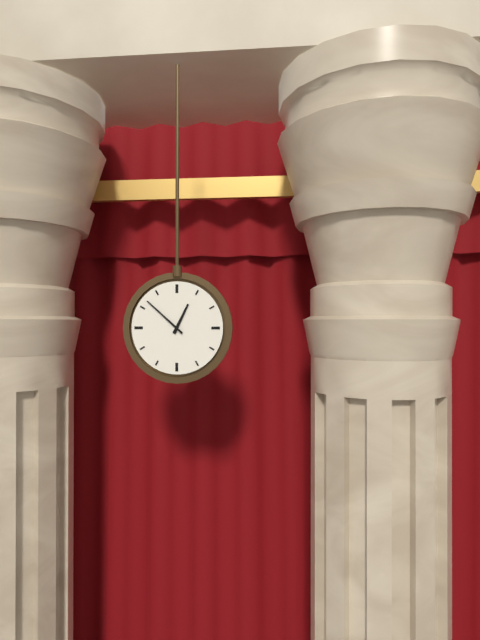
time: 12:52
